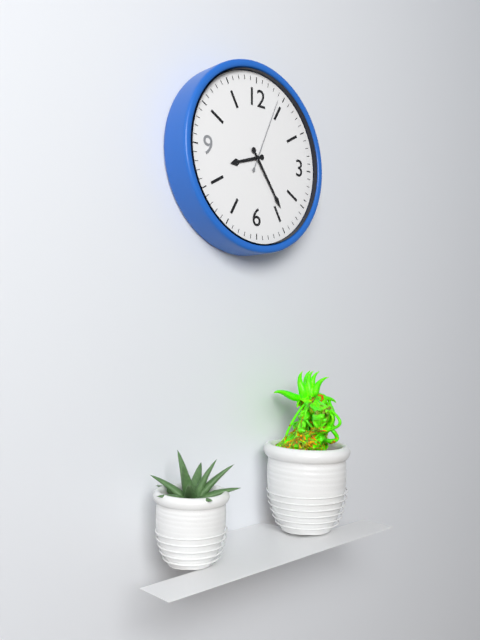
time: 8:24:04
